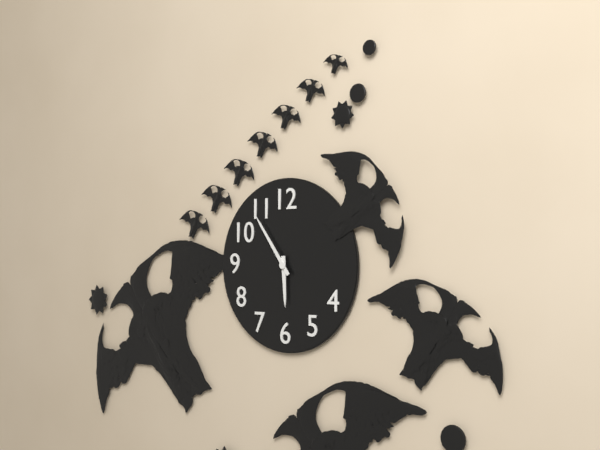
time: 5:54
